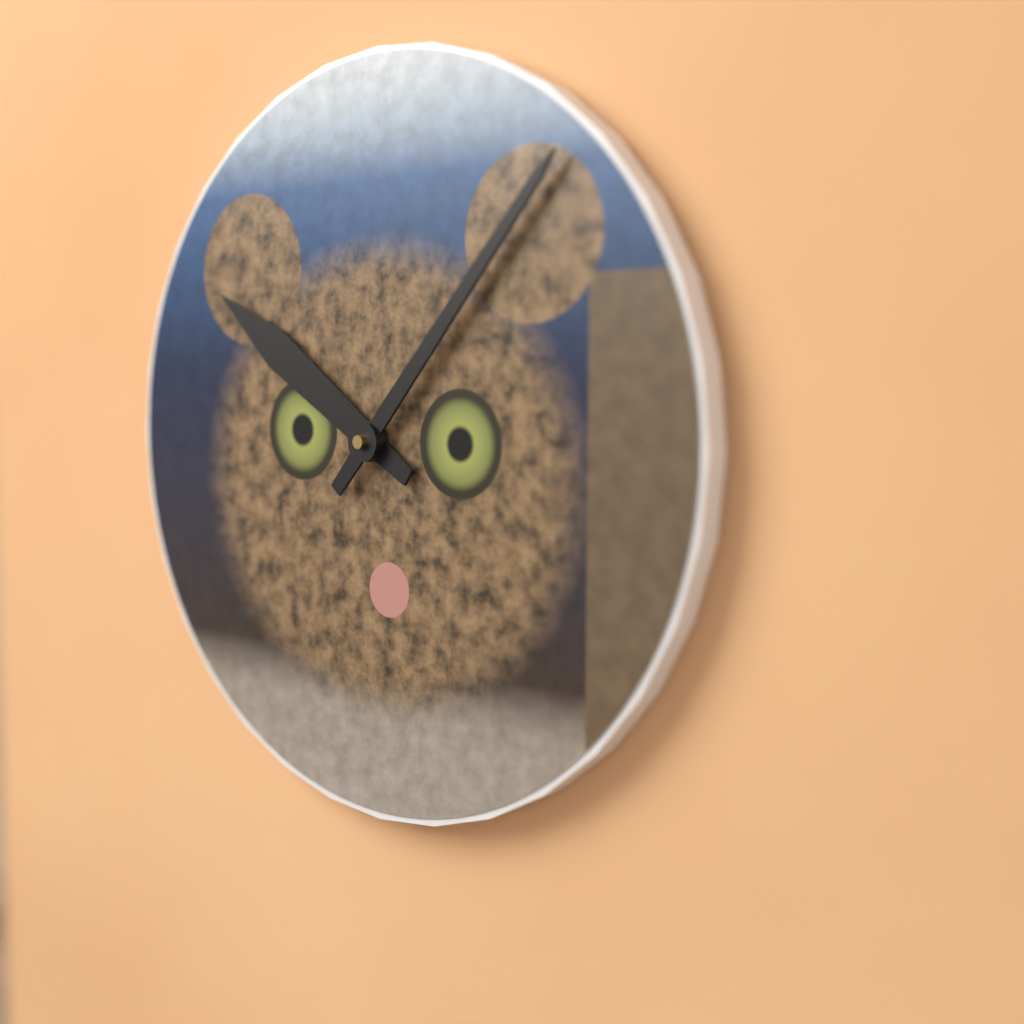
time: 10:07
